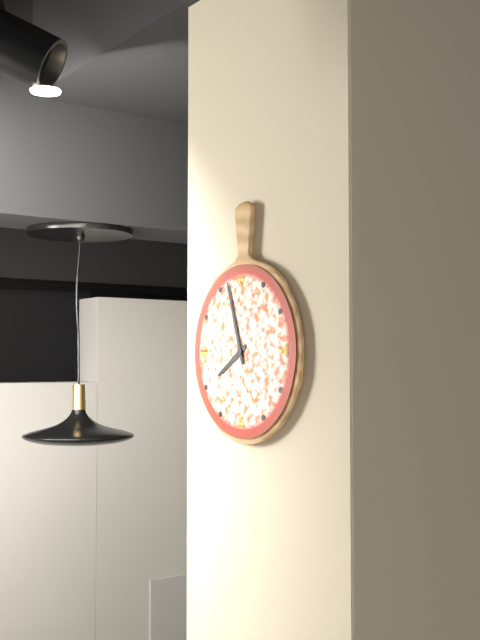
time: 7:57
